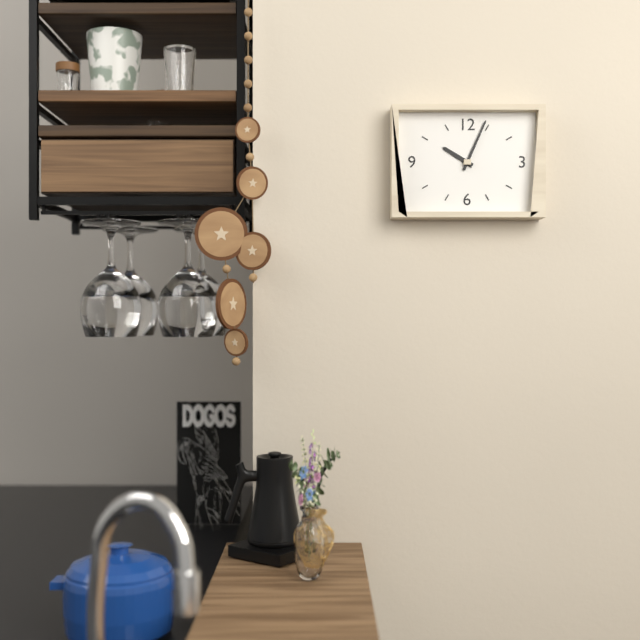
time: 10:04
